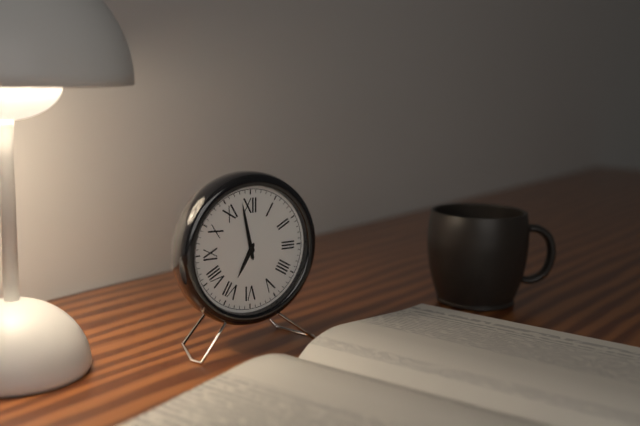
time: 6:58
